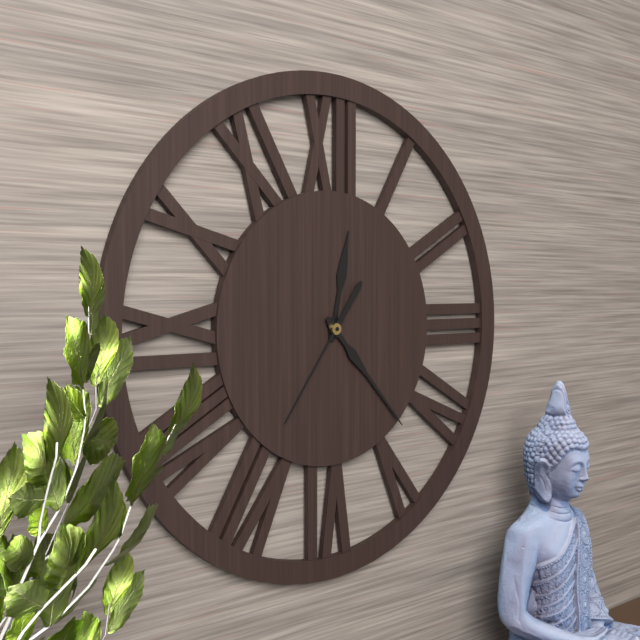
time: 12:23:36
